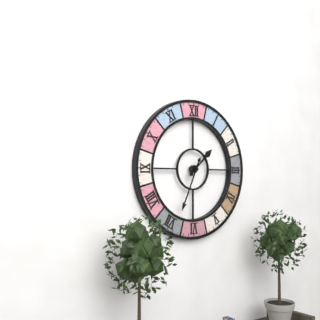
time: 1:34
